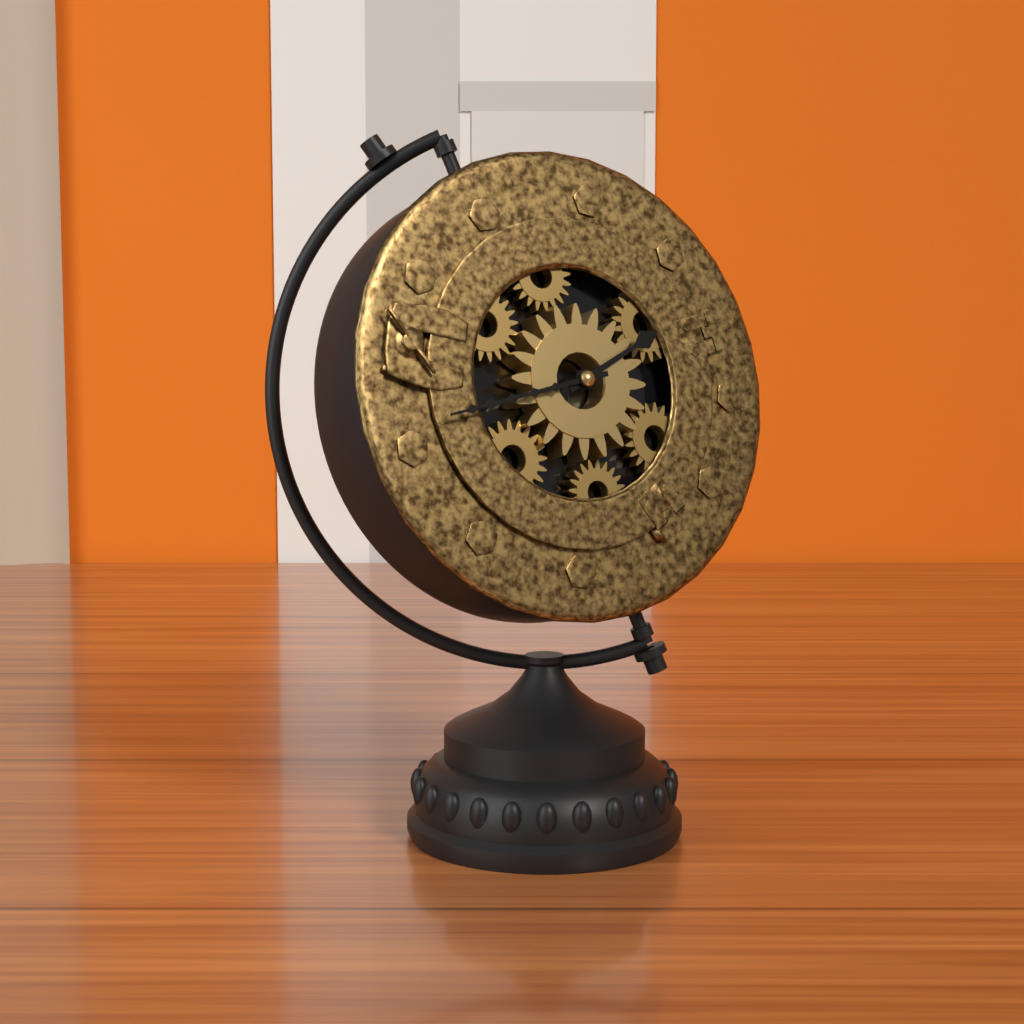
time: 1:41
